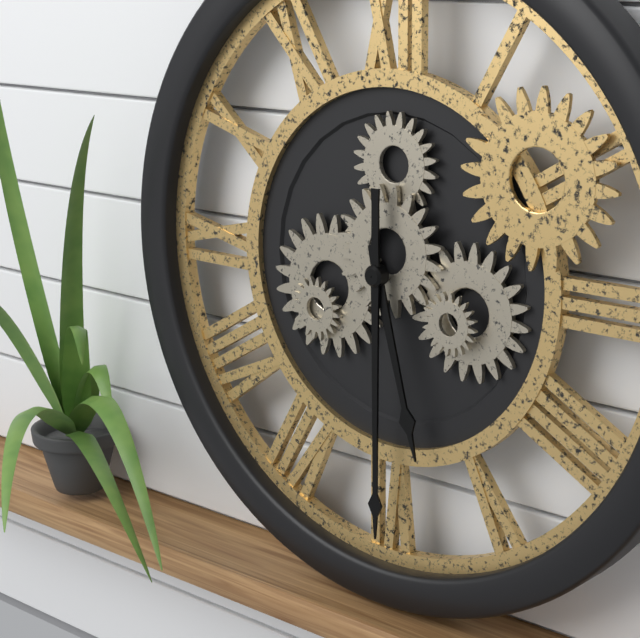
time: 5:30
